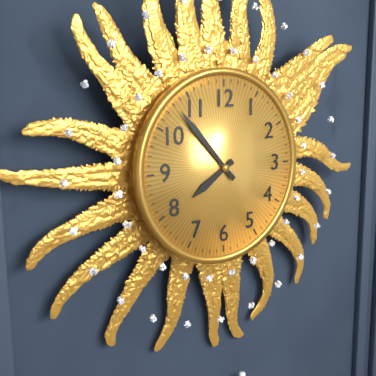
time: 7:53
